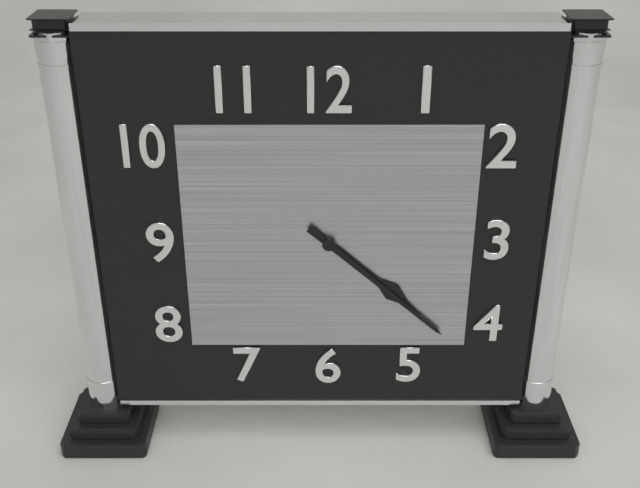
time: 4:22
